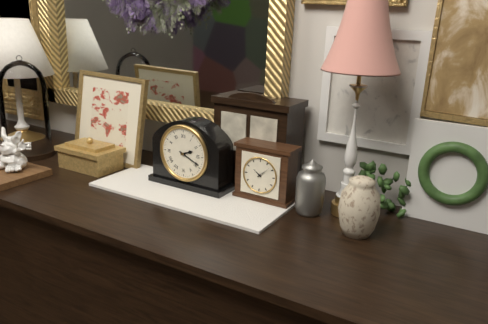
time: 2:19
